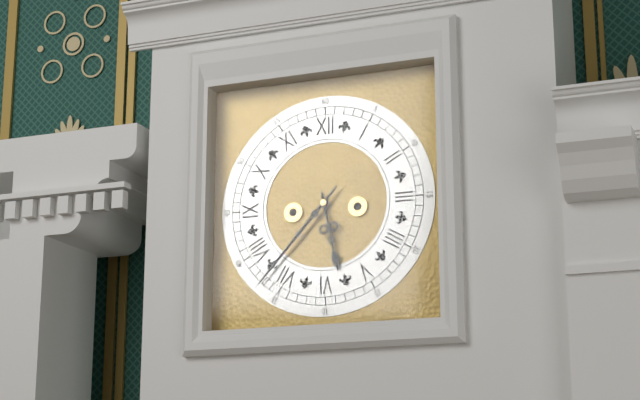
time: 5:37
